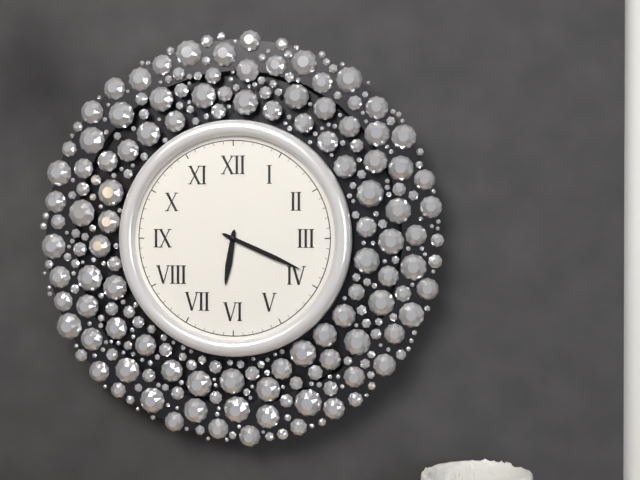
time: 6:19
